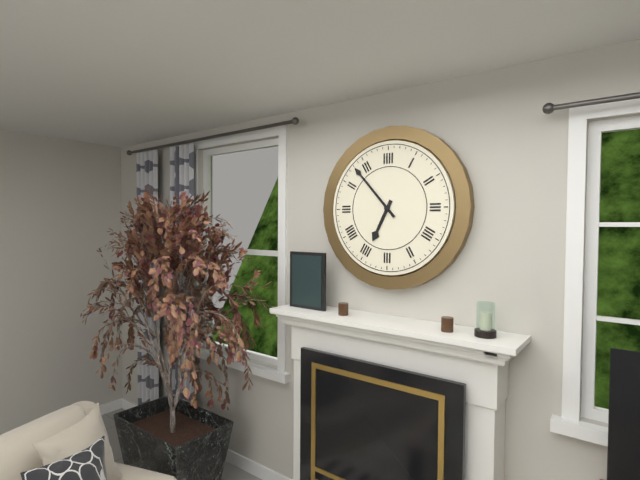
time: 6:53
